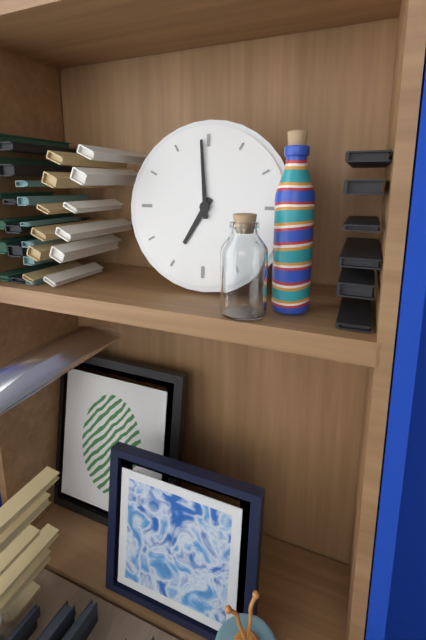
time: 6:59
